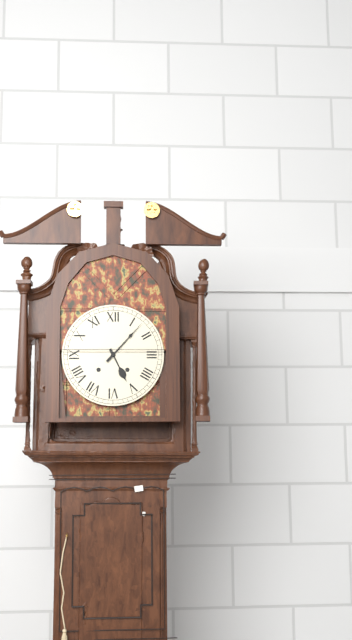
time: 5:07
